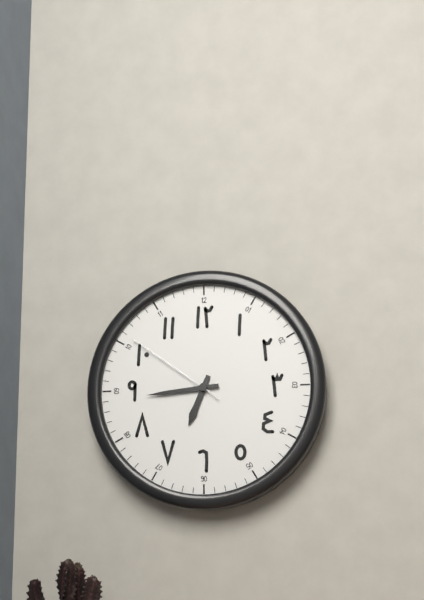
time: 6:44:51
